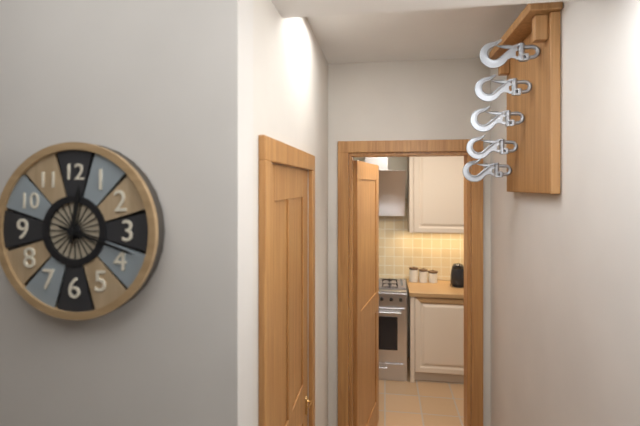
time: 12:18
